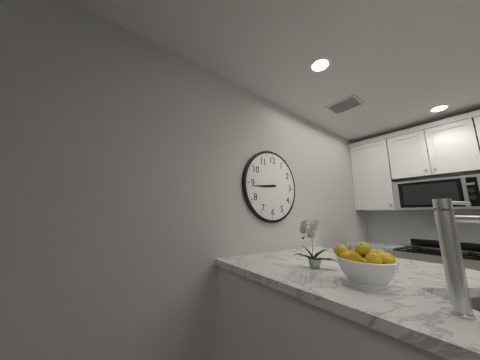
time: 8:44
